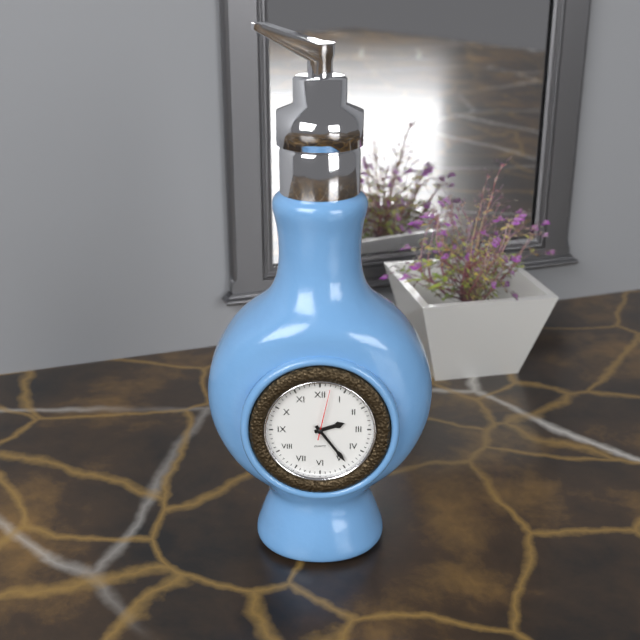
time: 2:24:02
